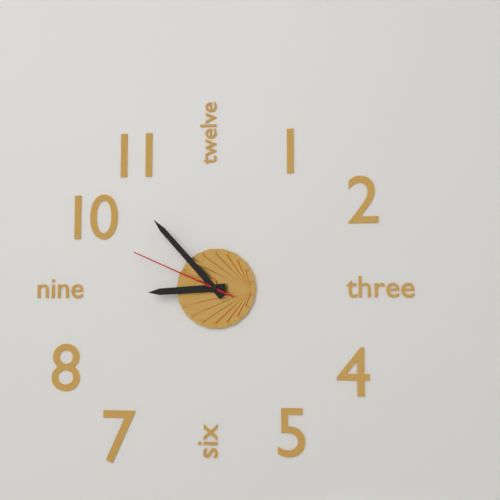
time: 8:53:49
